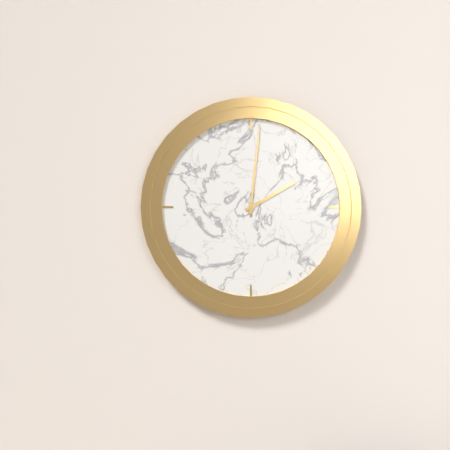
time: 2:01
